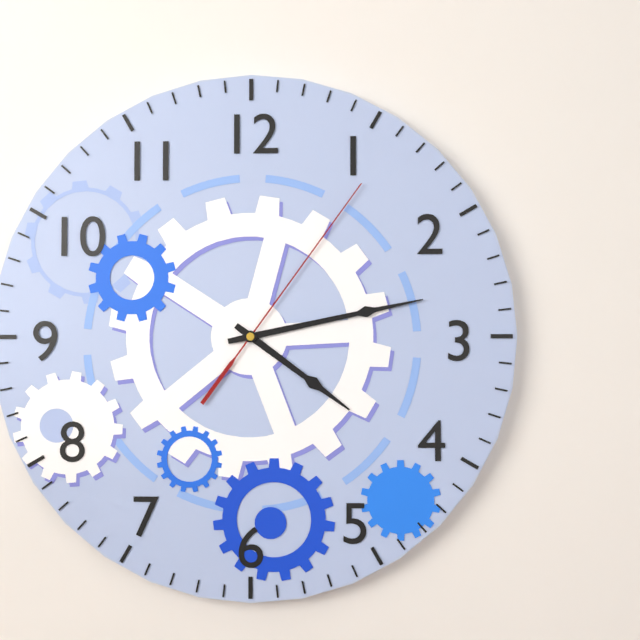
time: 4:13:06
